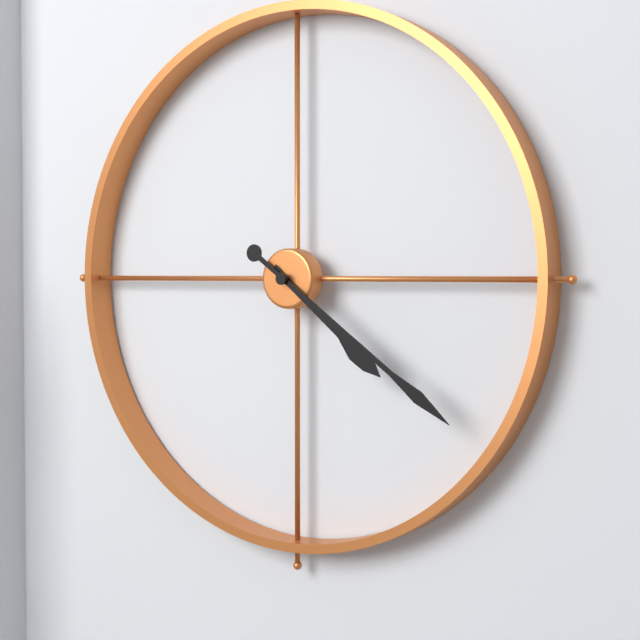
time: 4:21
